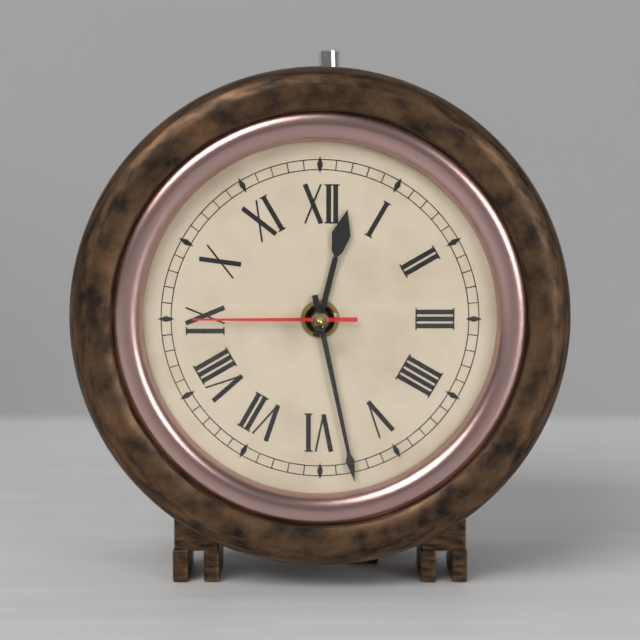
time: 12:28:45
